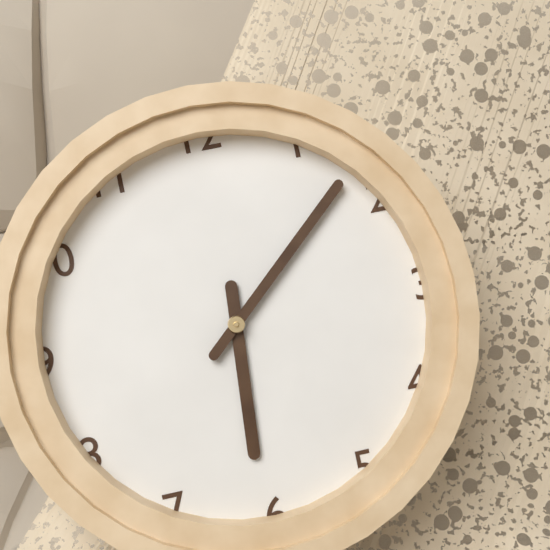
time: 6:08
